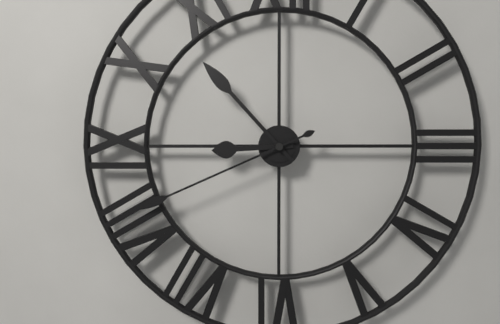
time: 8:53:41
